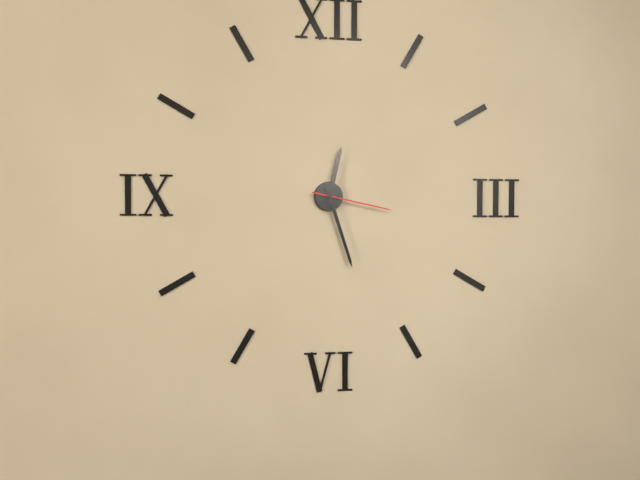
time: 12:27:17
